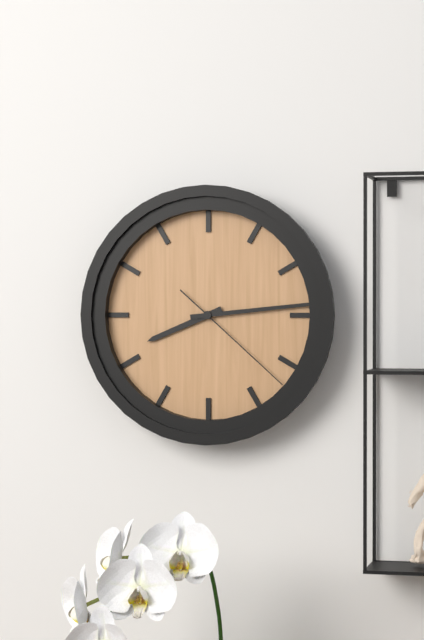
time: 8:14:22
